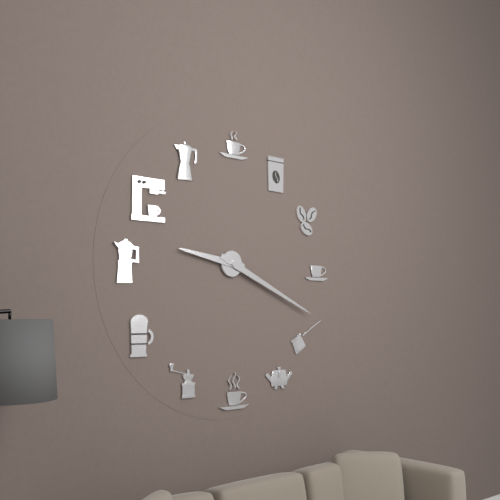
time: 9:19
